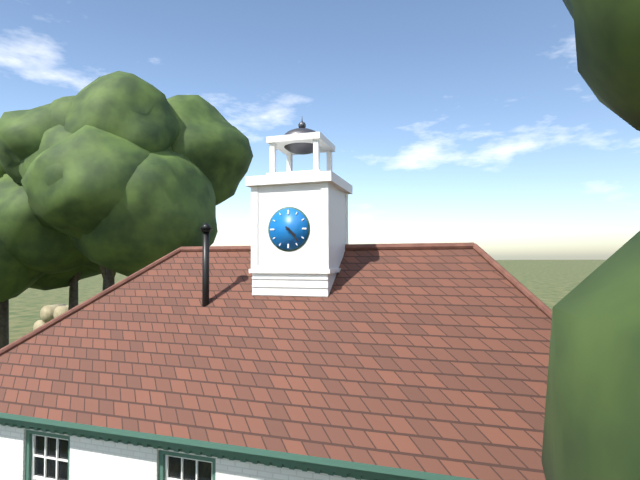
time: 4:23
